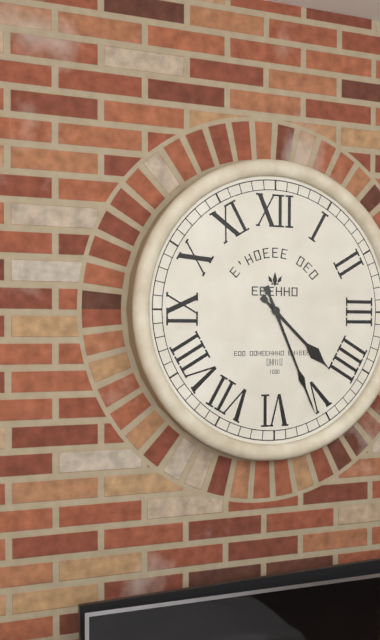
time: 4:26
